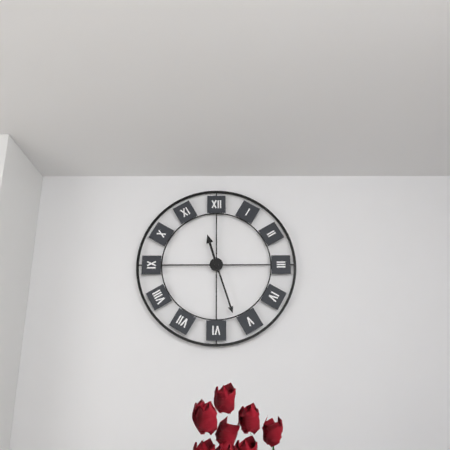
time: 11:27
